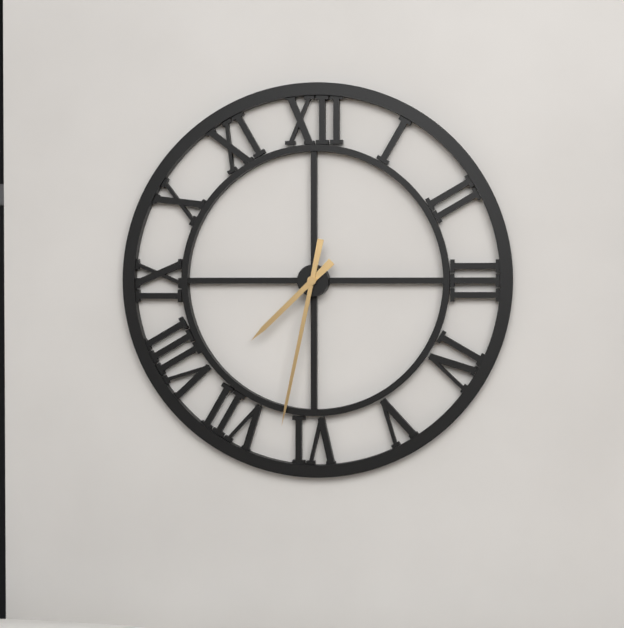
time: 7:32
